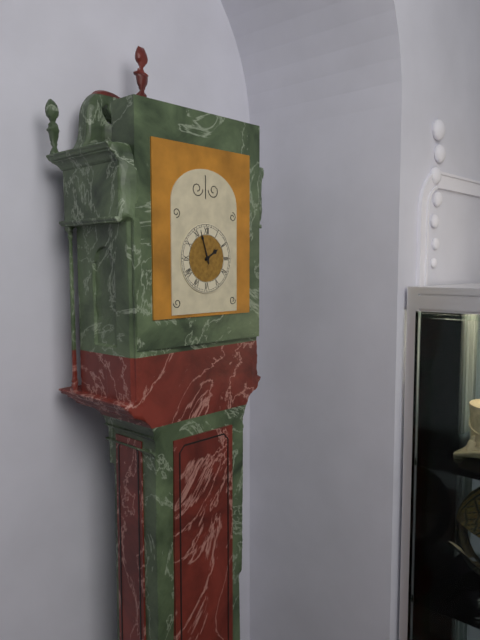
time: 1:57
